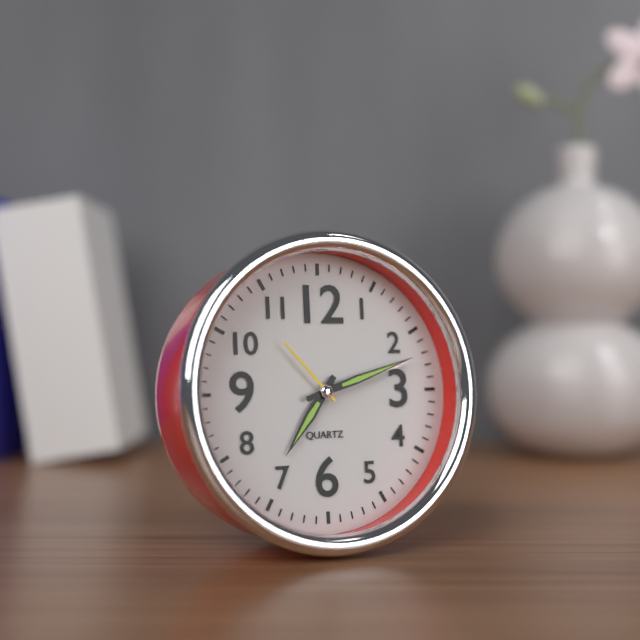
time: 7:12:53
